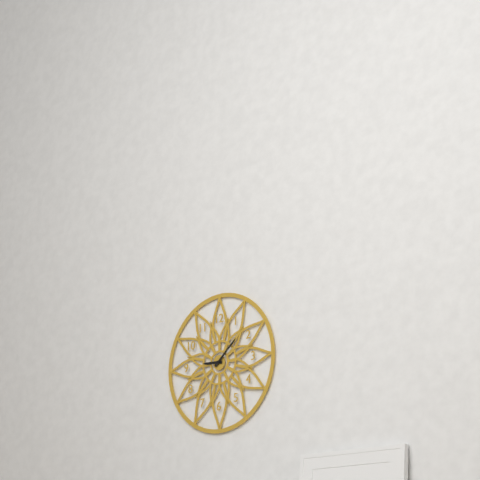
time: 9:08
